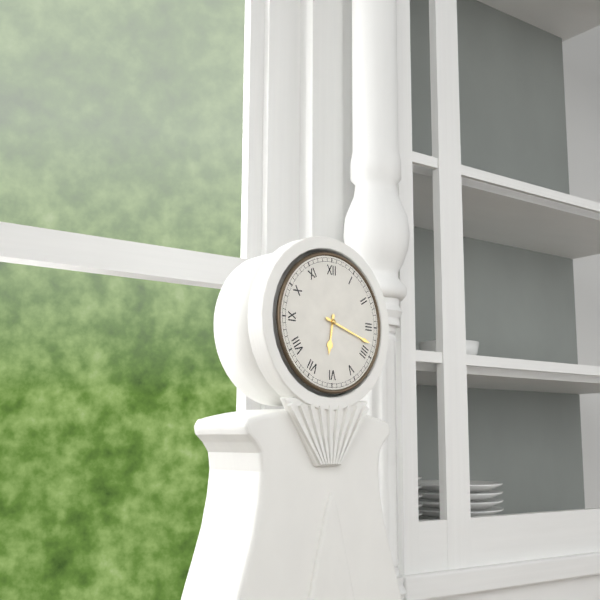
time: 6:18
